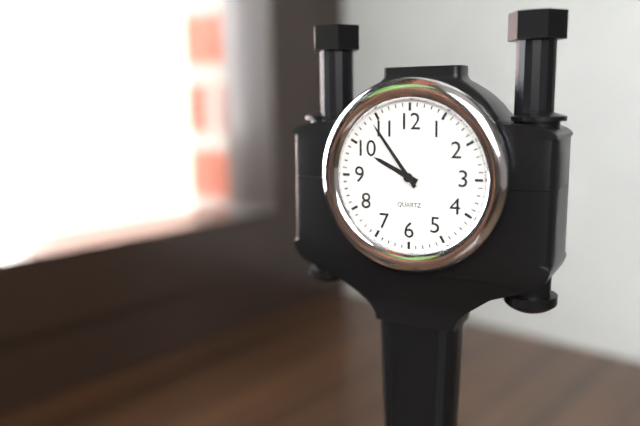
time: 9:54
